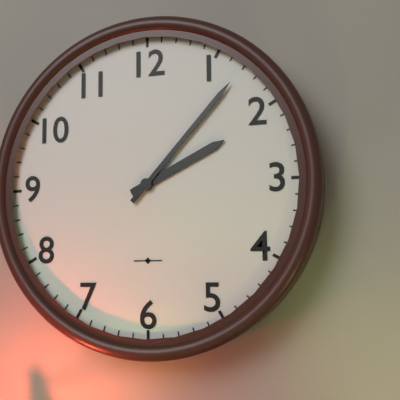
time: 2:07
